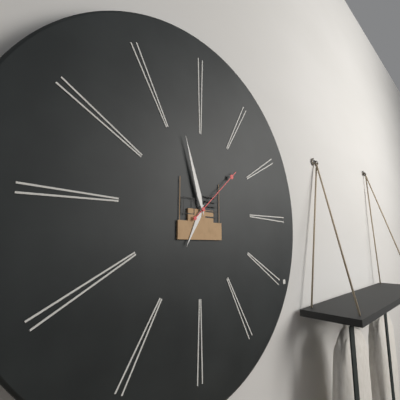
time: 6:57:08
